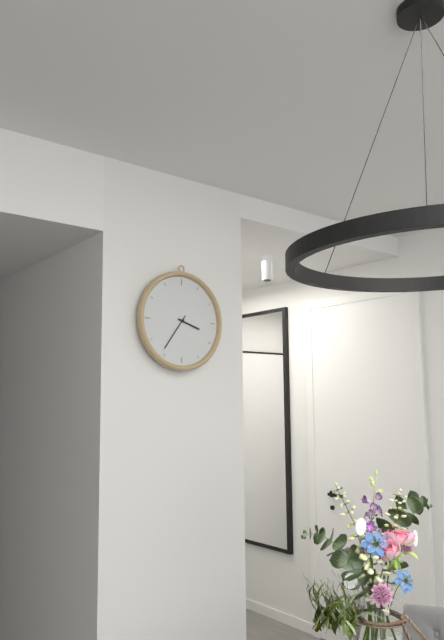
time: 3:36
